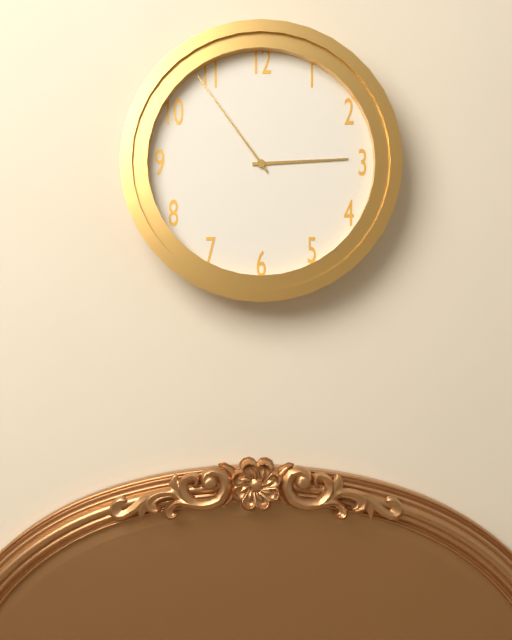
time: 2:54
